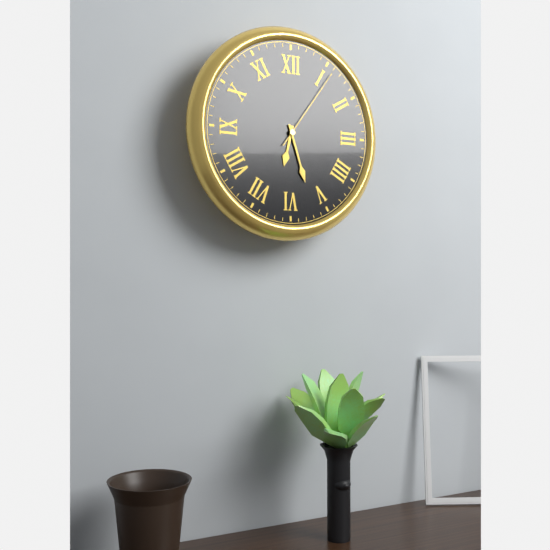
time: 6:27:06
